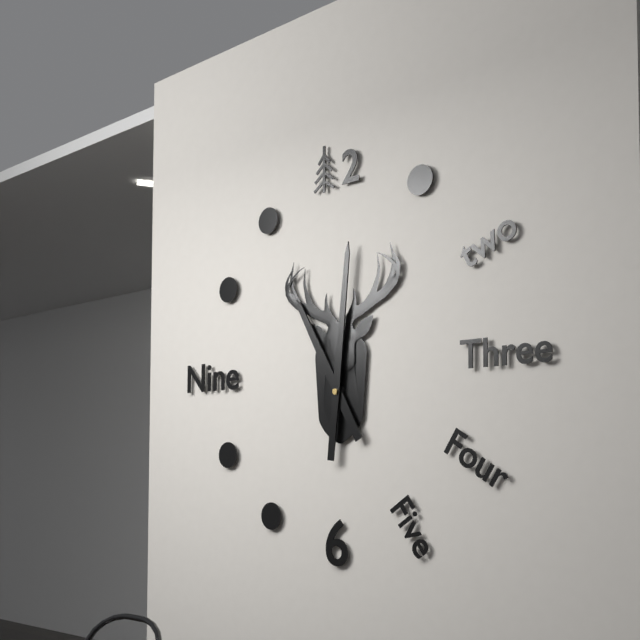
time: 11:01
